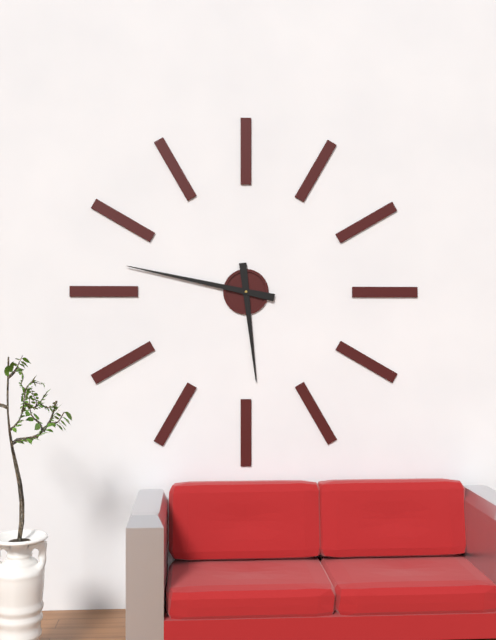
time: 5:47
